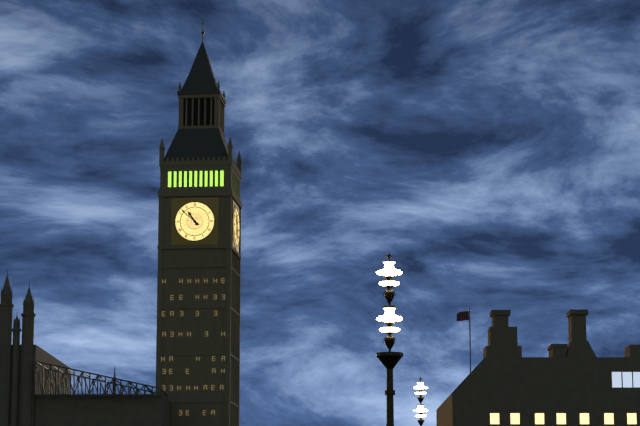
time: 10:52
